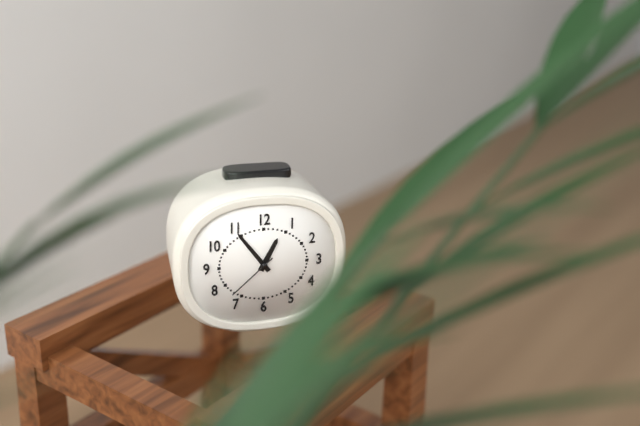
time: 12:54:38
